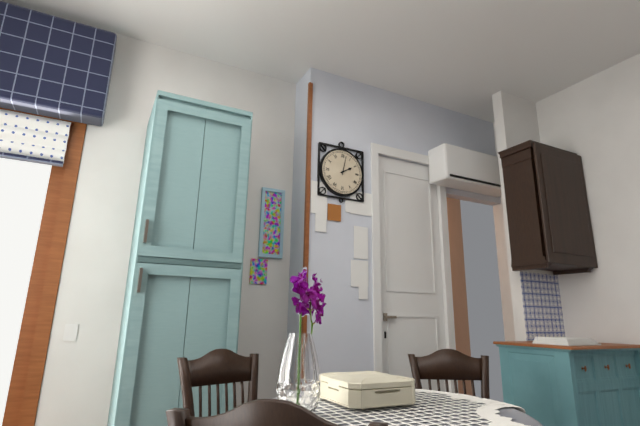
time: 2:02
